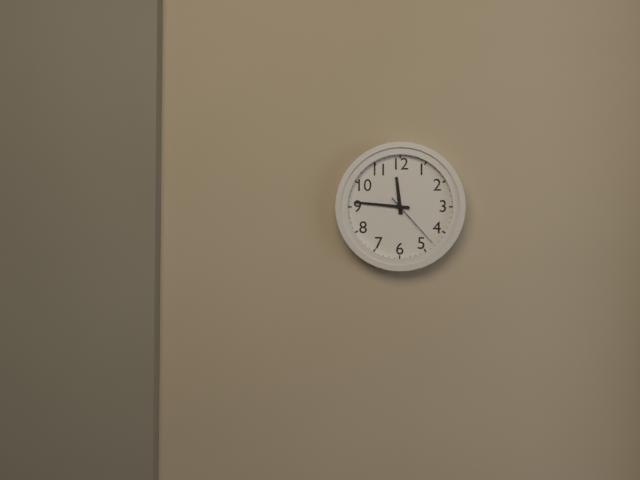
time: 11:46:23
